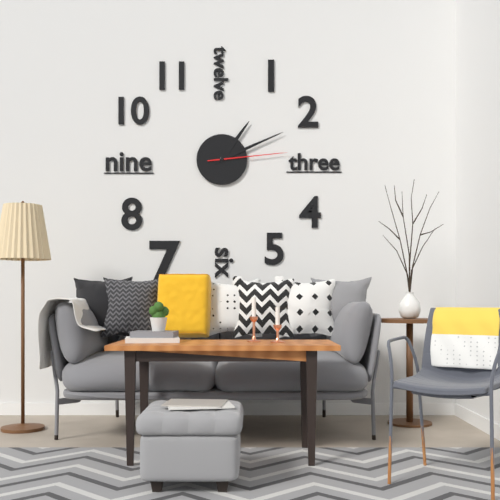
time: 1:11:14
